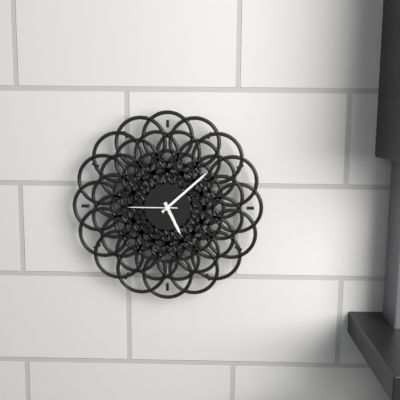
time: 5:08
